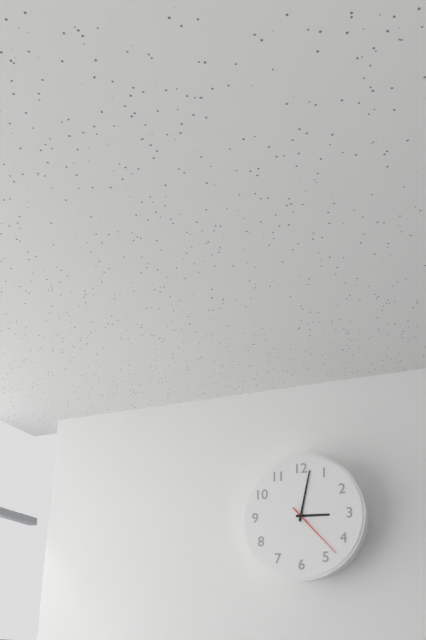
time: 3:02:23
